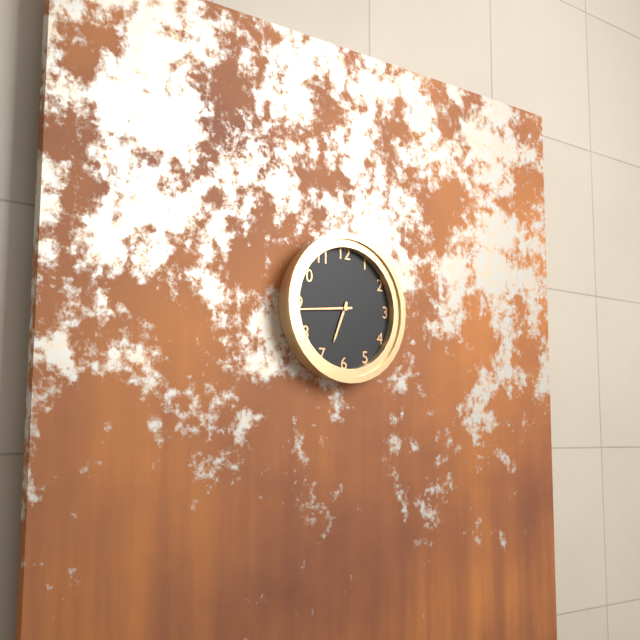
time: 6:44
